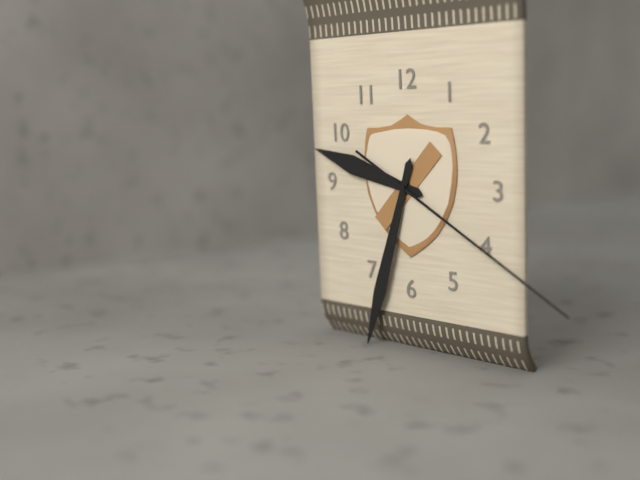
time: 9:33:20
